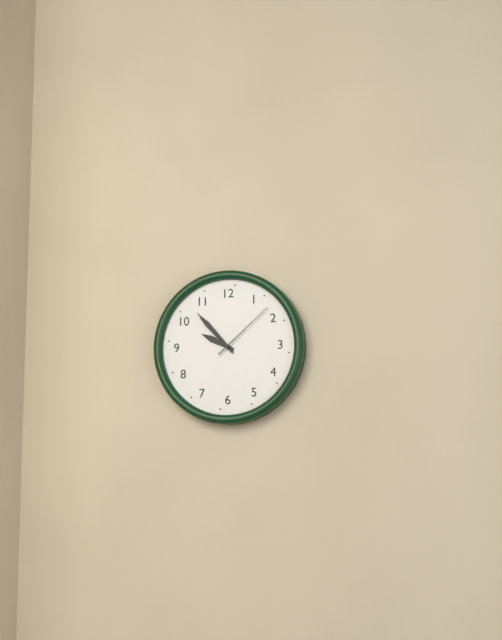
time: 9:53:08
